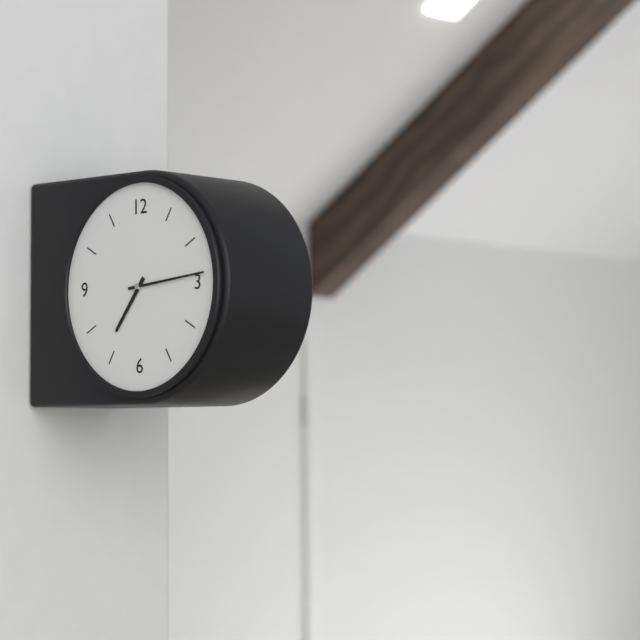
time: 7:14
